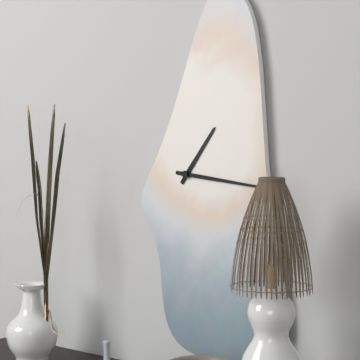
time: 1:16
